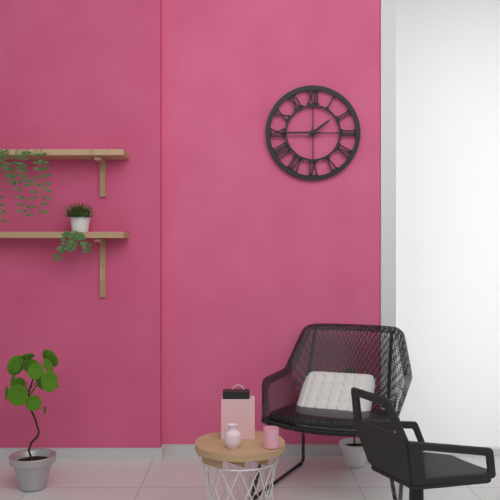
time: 1:45
